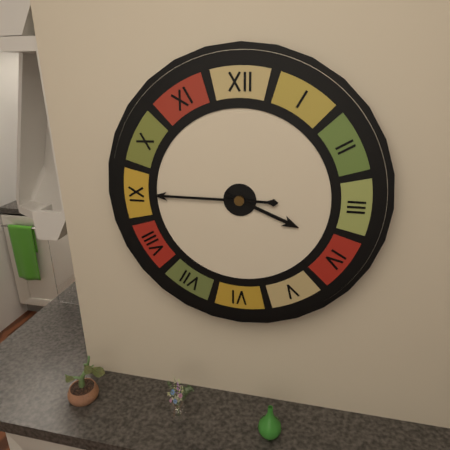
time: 3:45
